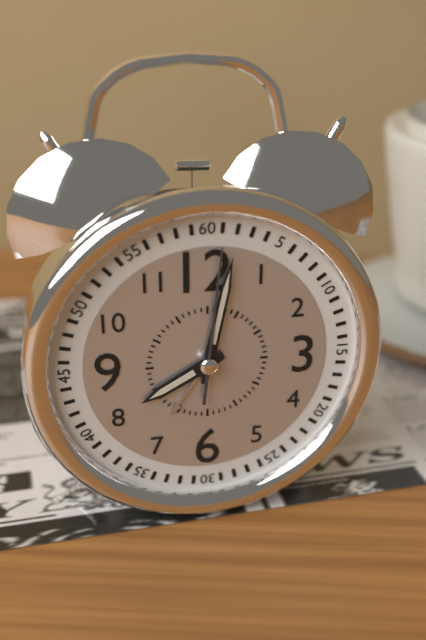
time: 8:02:01
